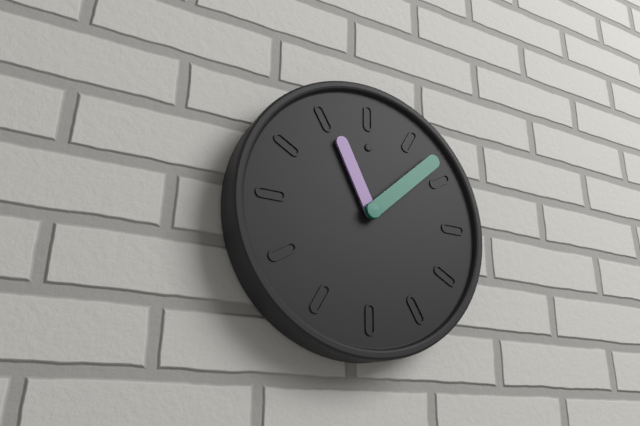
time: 11:08
